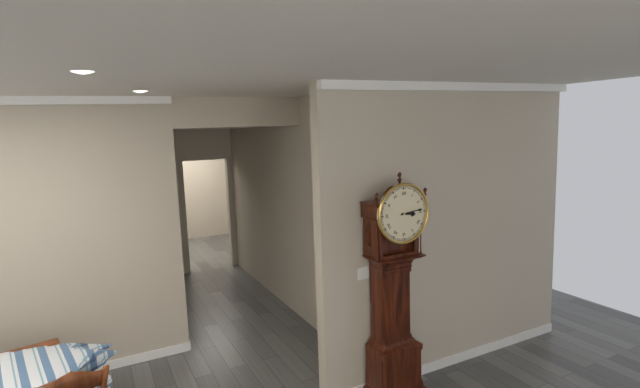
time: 3:14
